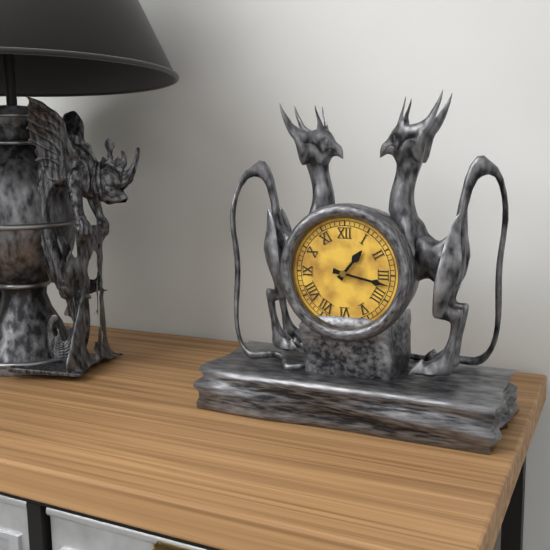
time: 1:17
